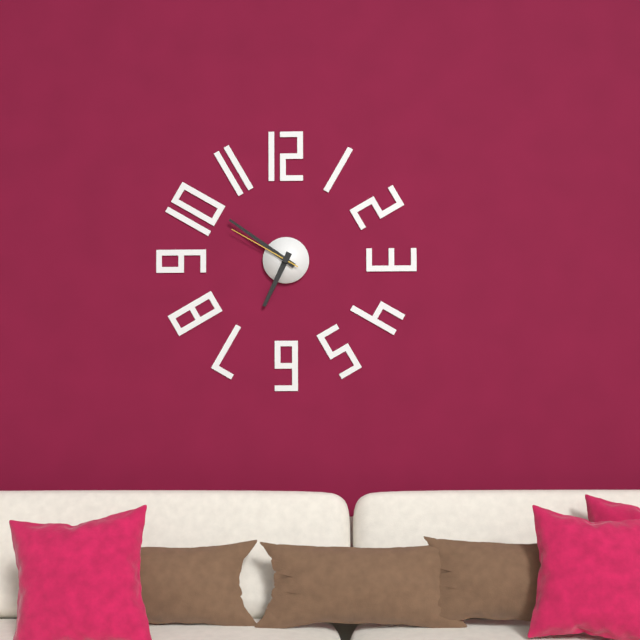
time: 6:51:50
